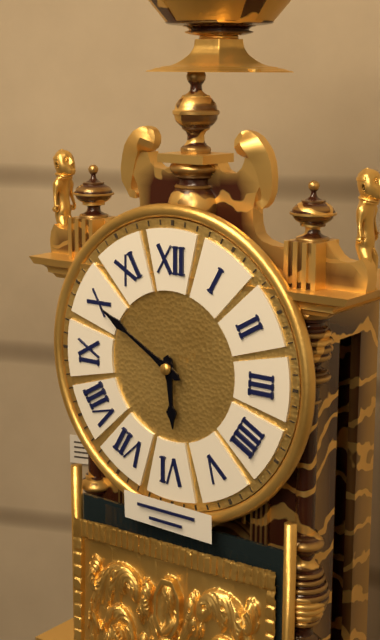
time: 5:50
